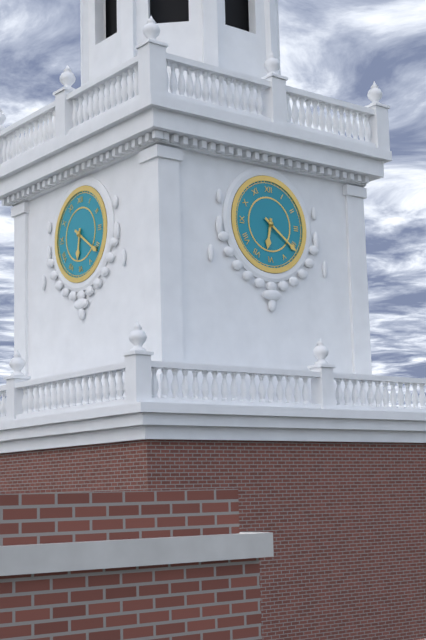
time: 6:21
